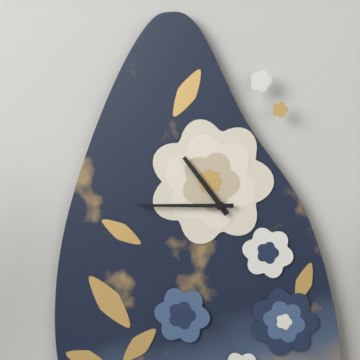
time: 10:45
